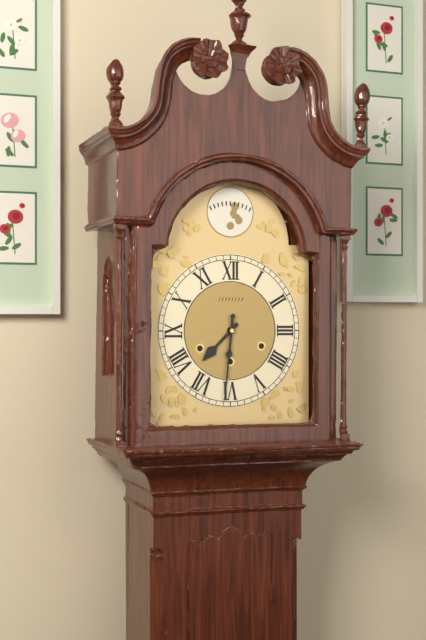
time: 7:31
